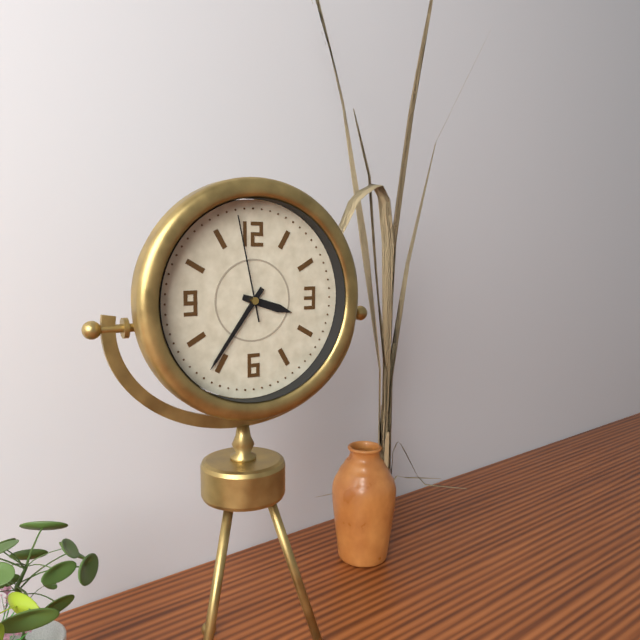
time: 3:36:58
